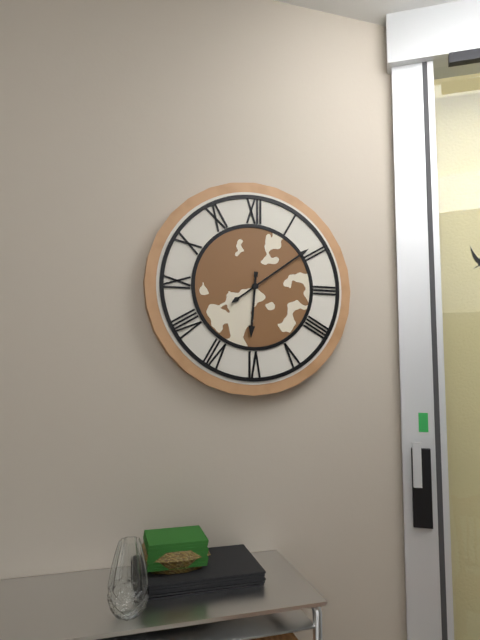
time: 6:09
